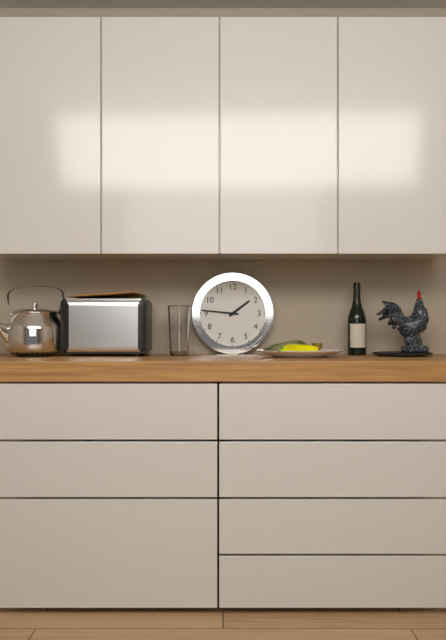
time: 1:46
